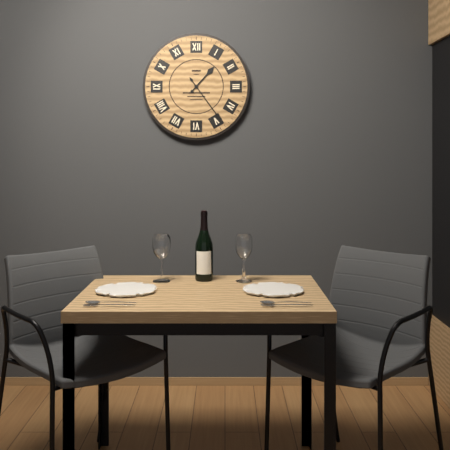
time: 1:24
